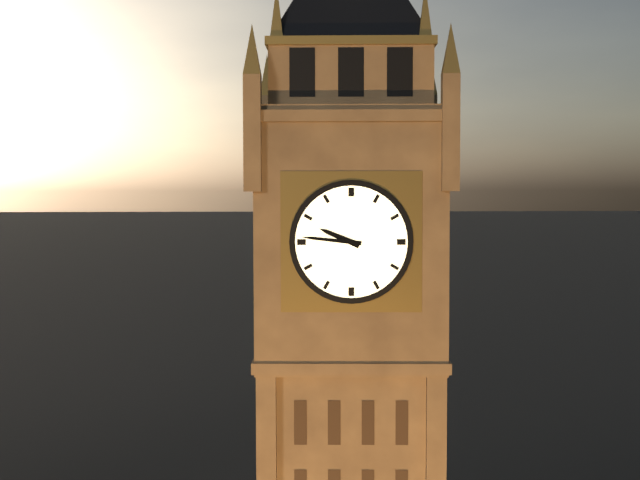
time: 9:46
